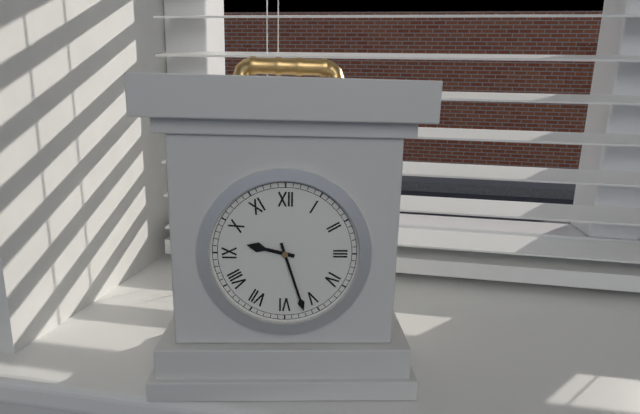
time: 9:27
